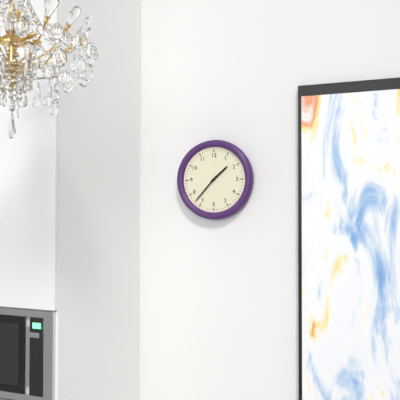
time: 1:37
